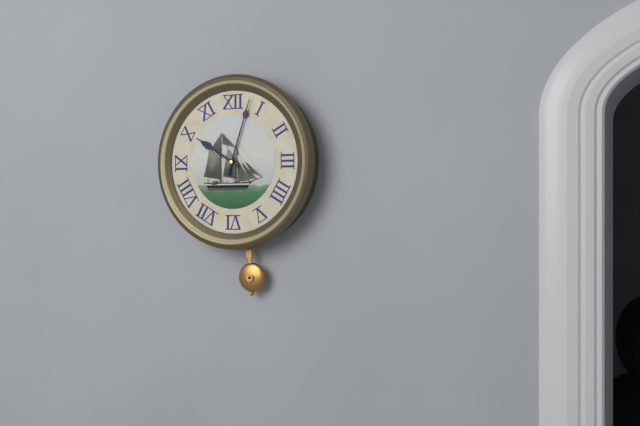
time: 10:03
